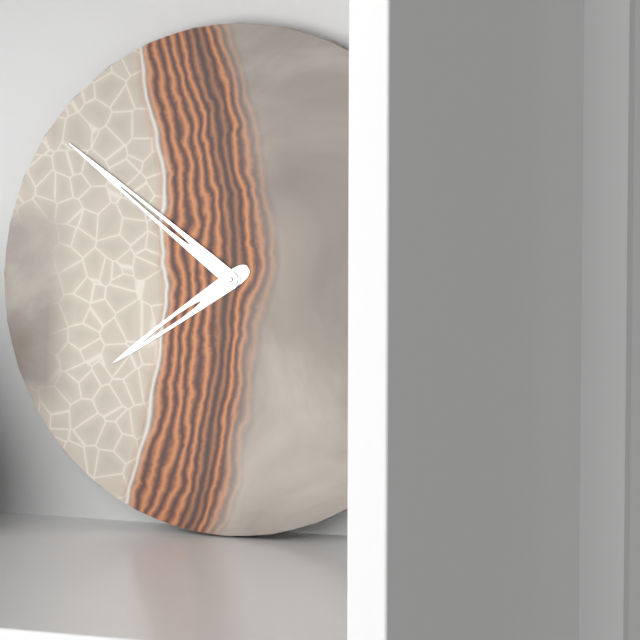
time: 7:51
